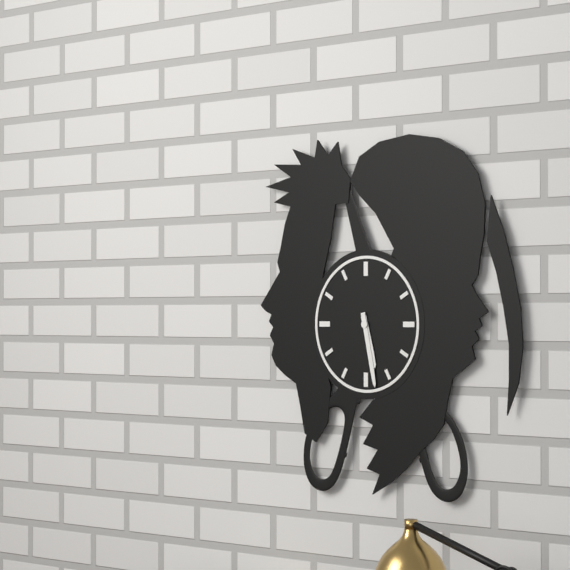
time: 5:28
